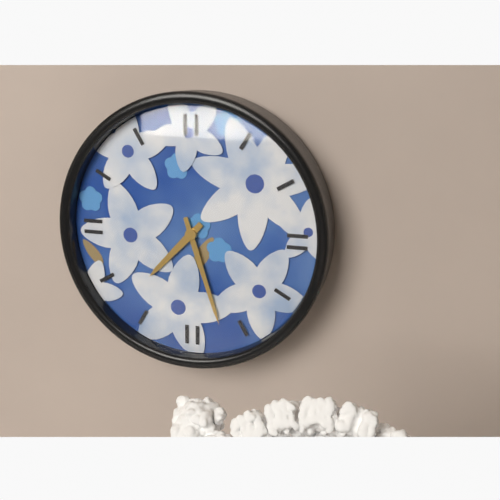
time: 7:27
